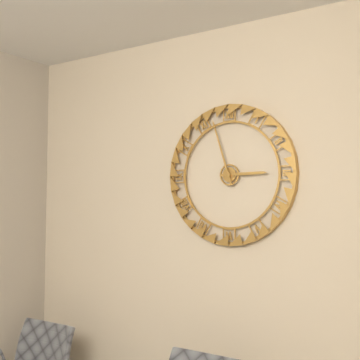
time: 2:57
